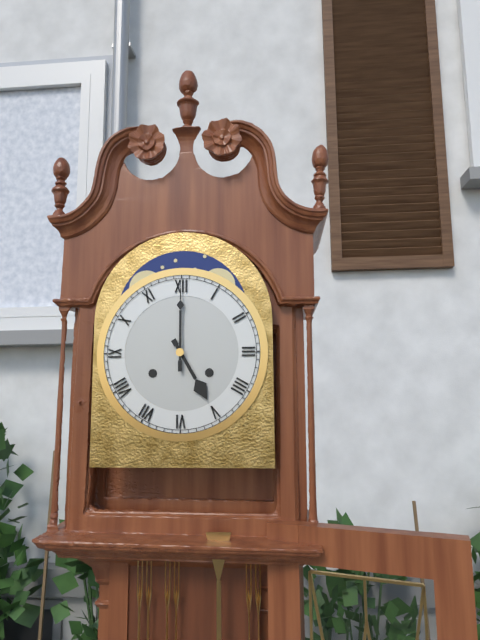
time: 5:00
